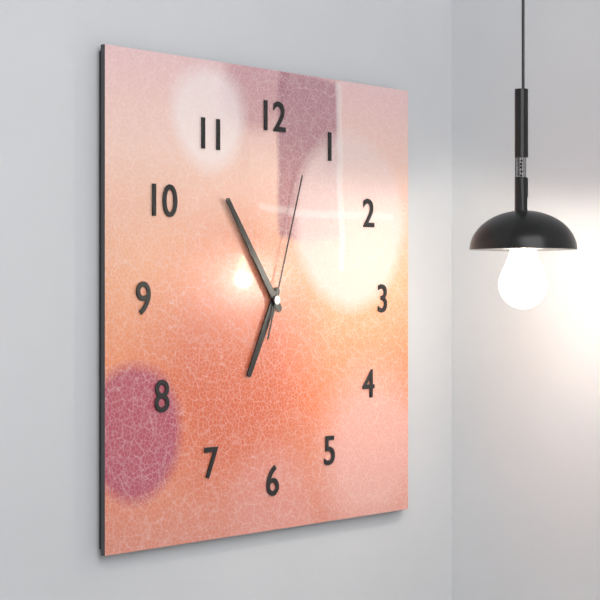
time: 6:54:03
